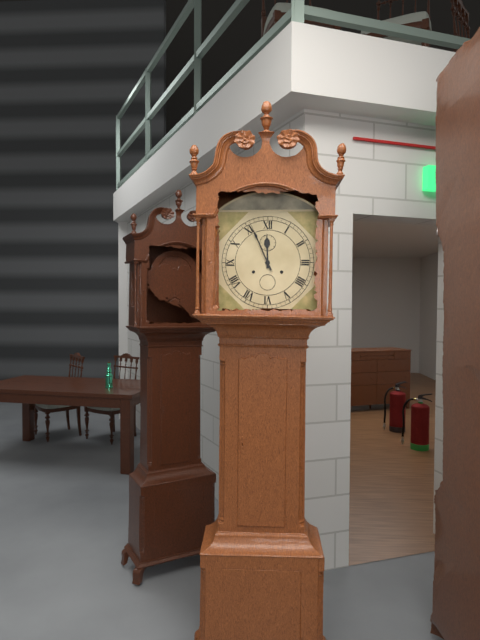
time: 11:56
